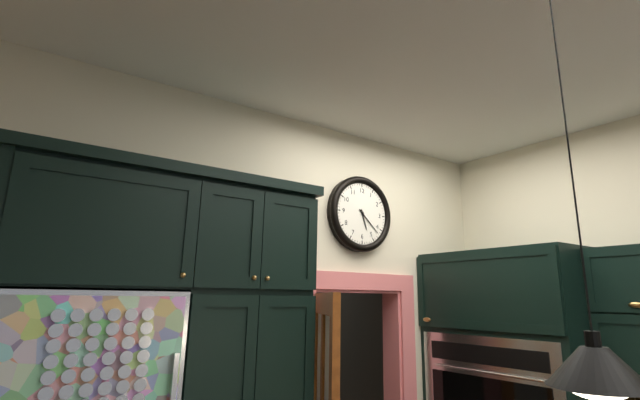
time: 5:22
